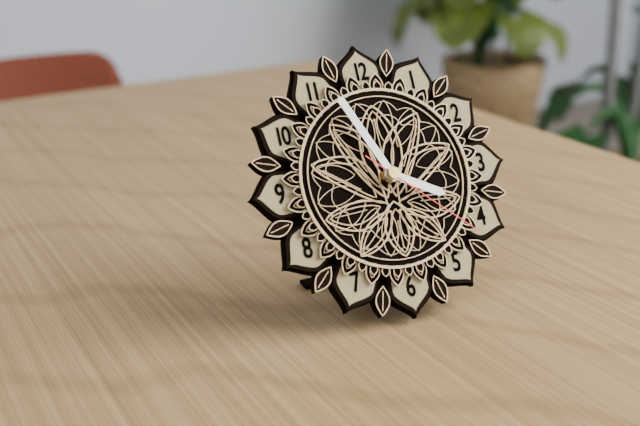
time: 3:56:22
